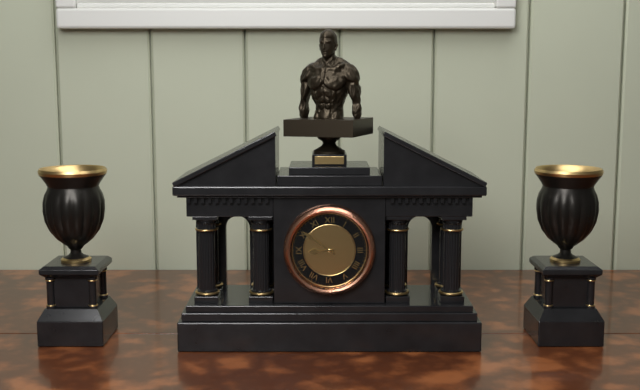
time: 8:51
